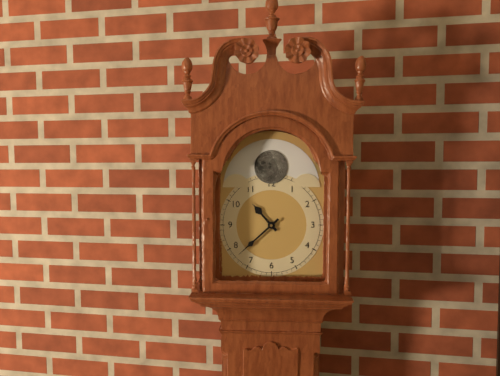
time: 10:38
